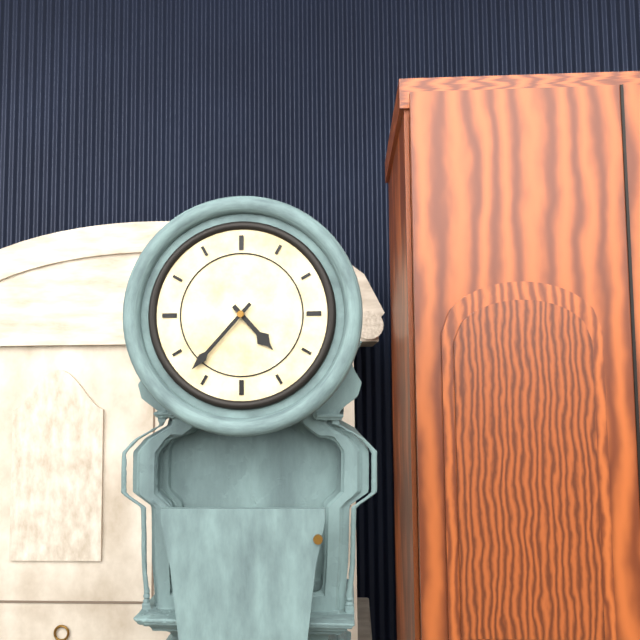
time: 4:37
